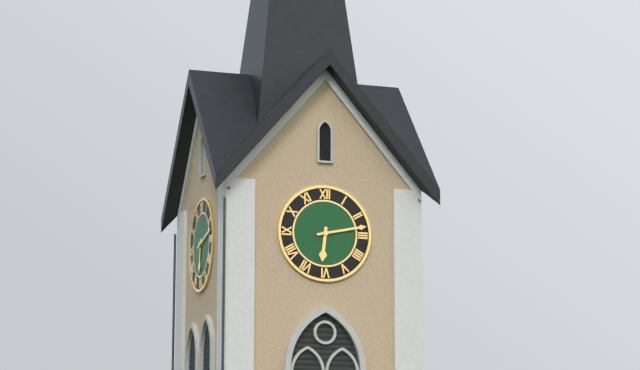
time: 6:13
